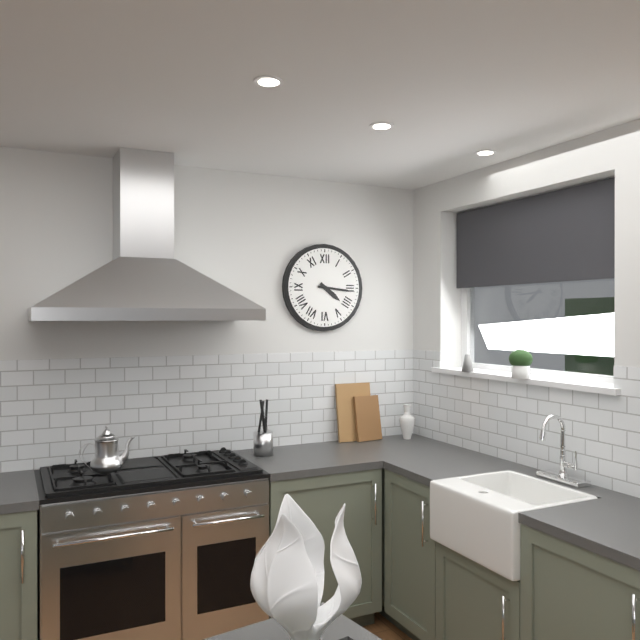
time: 4:16
